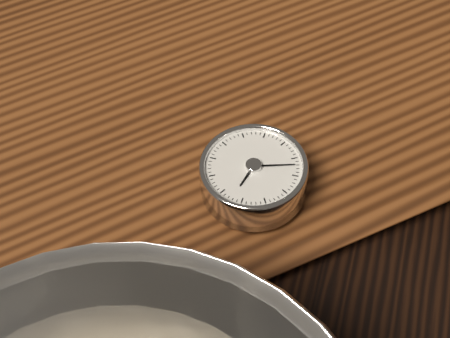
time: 9:27
